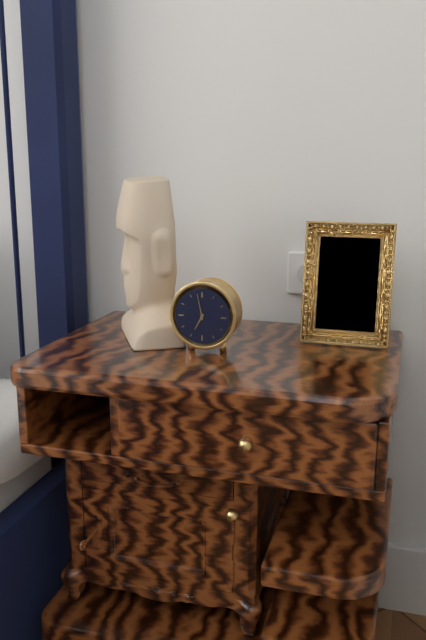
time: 6:58
